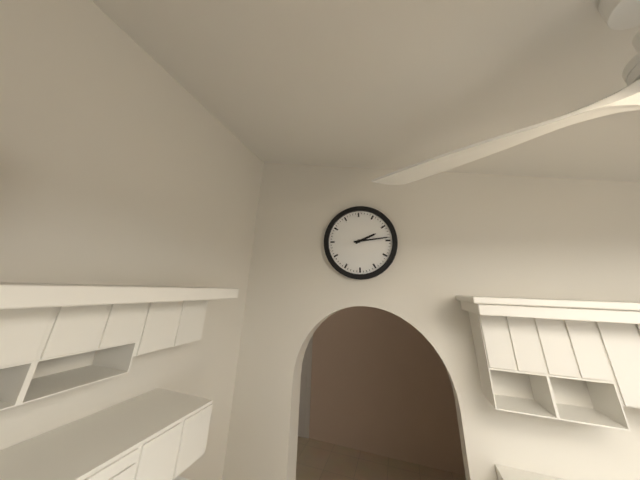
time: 2:14
